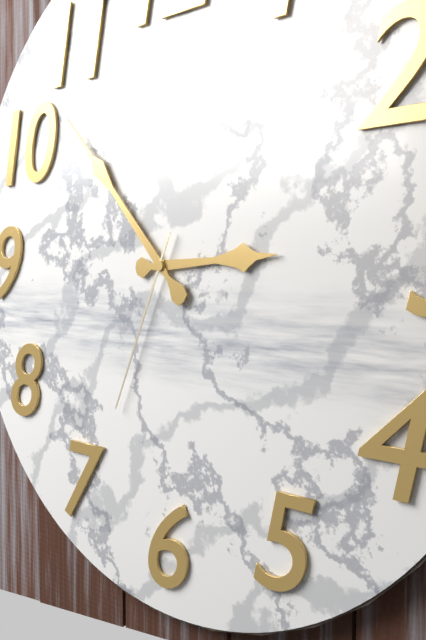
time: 2:53:34
